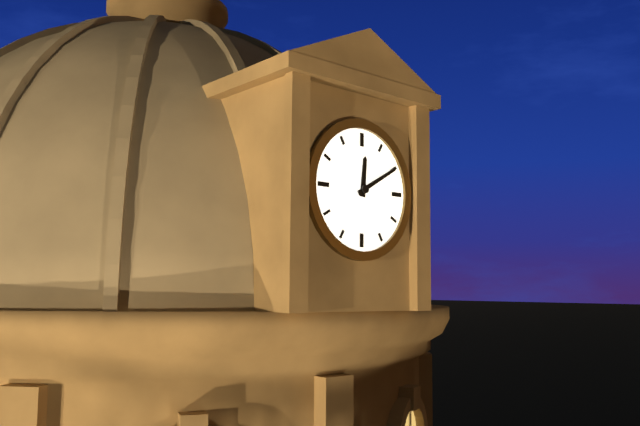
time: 12:10
